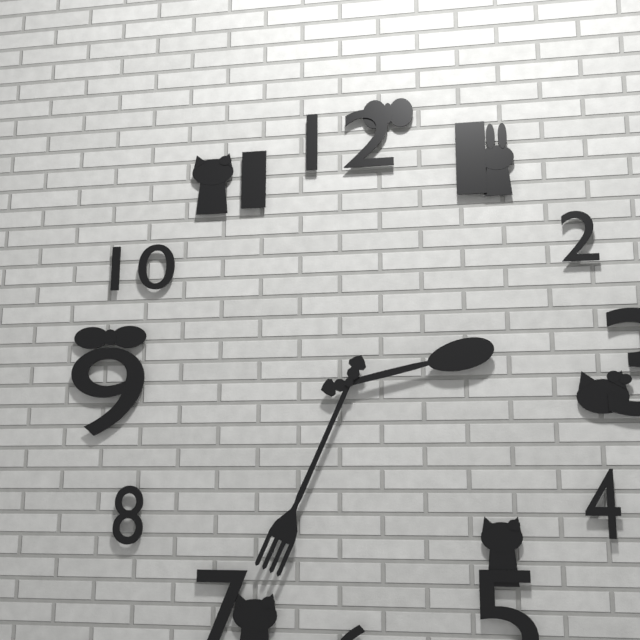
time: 2:34
